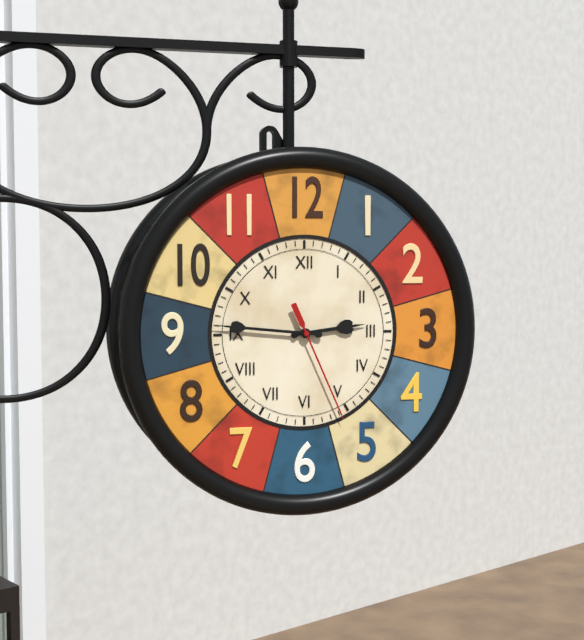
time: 2:46:26
